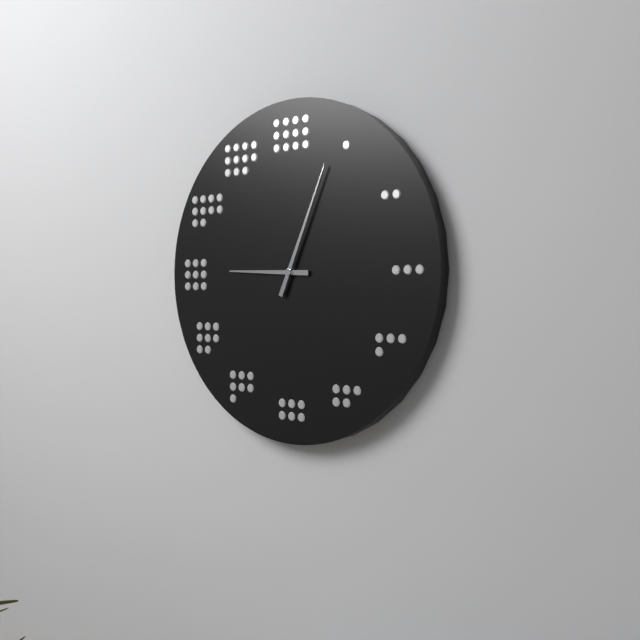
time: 9:04
